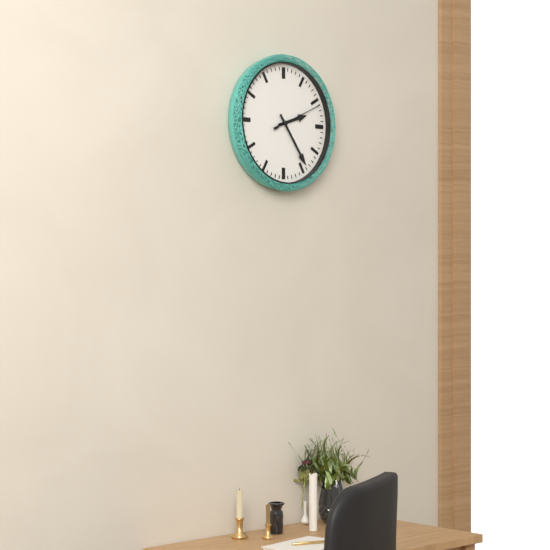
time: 2:24
